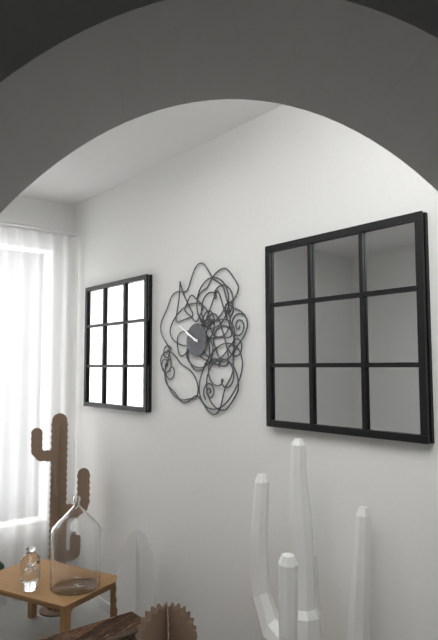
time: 9:50
